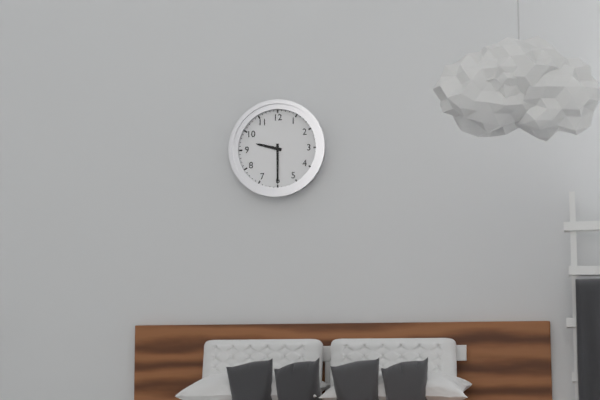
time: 9:30
